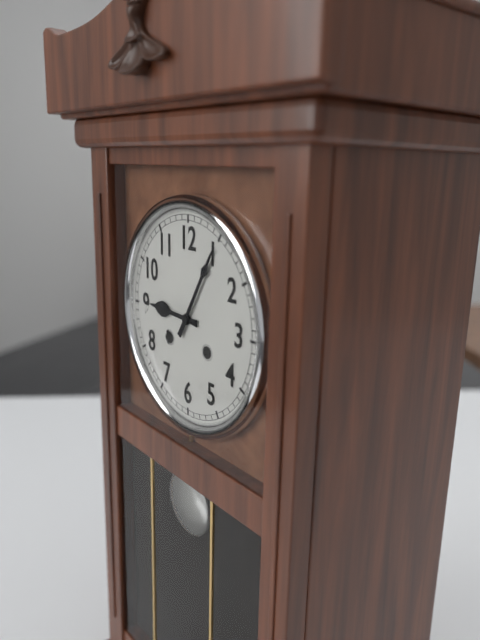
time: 9:05
